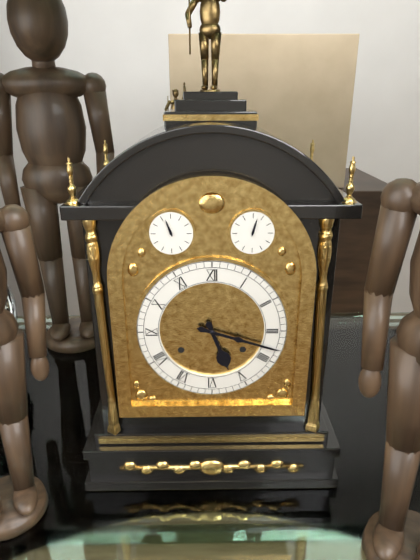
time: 5:18
